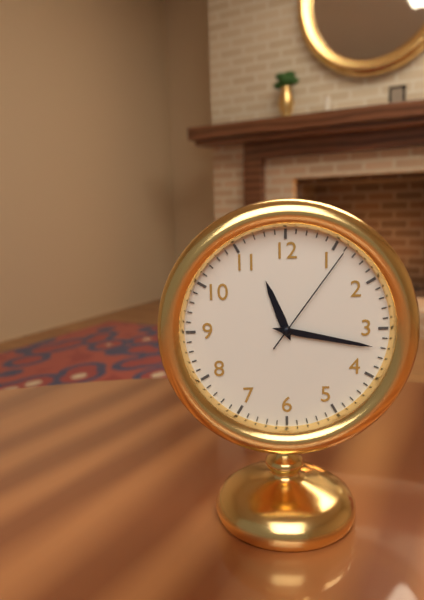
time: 11:17:06
